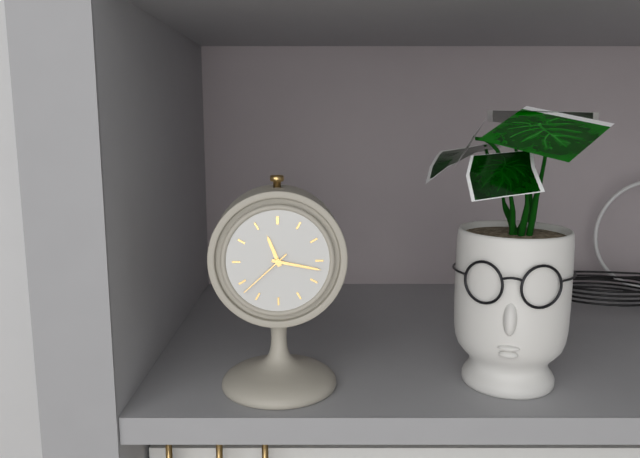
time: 11:17:38
